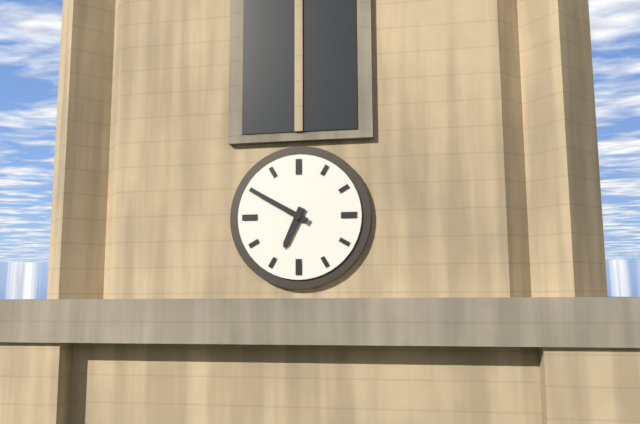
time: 6:50
